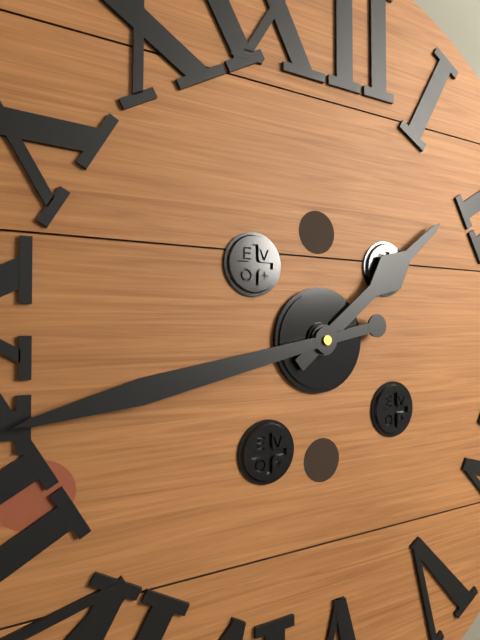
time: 1:43
